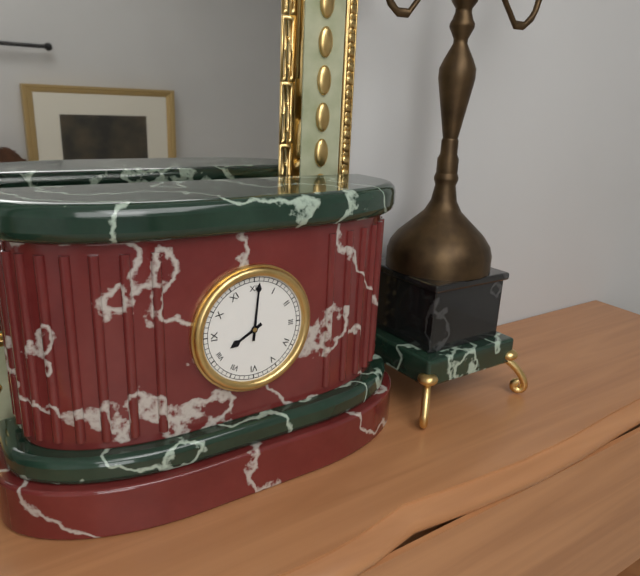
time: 8:01
